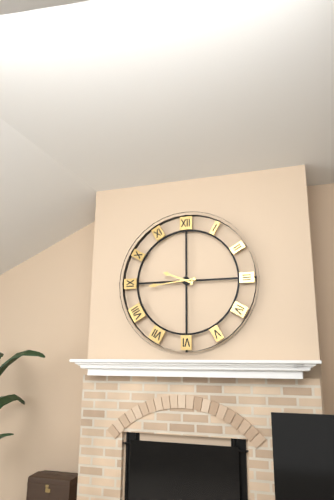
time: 9:44
